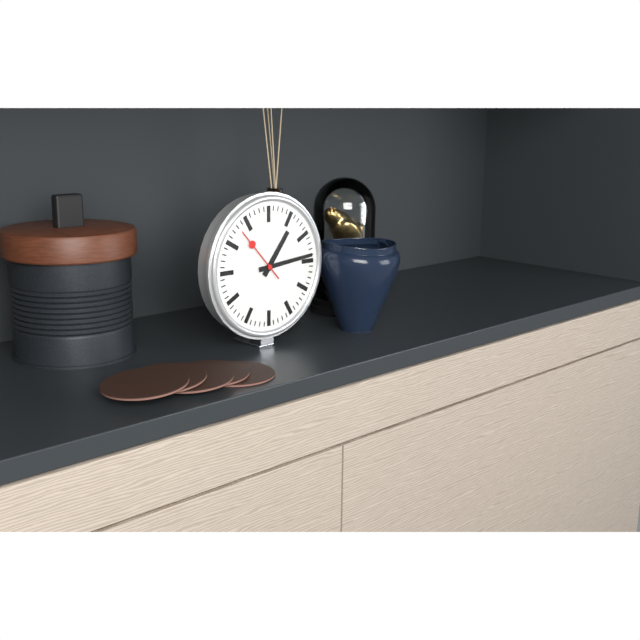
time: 1:14:53
